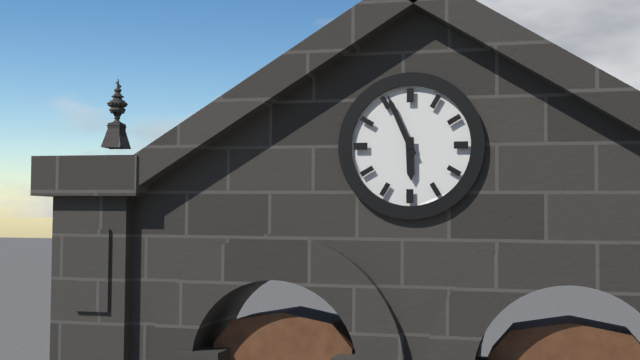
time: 5:56
